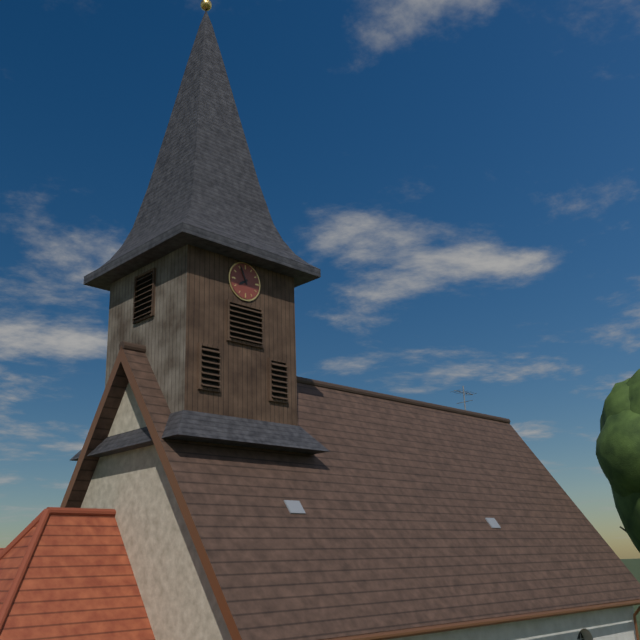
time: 7:56
